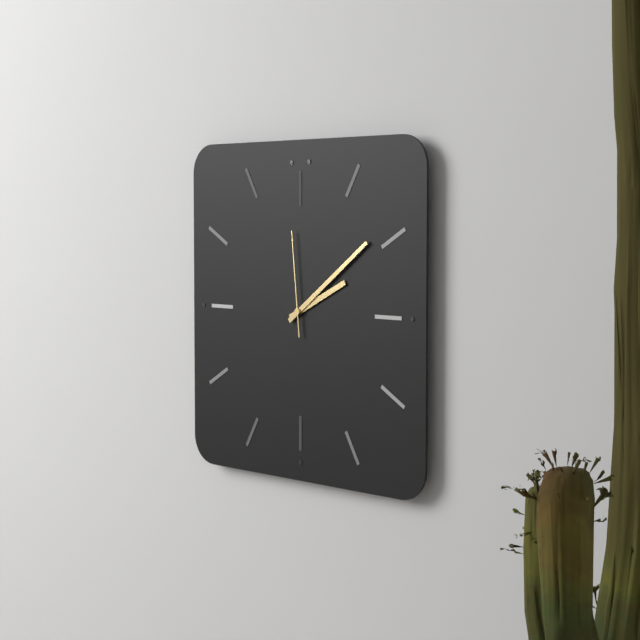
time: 2:09:59
